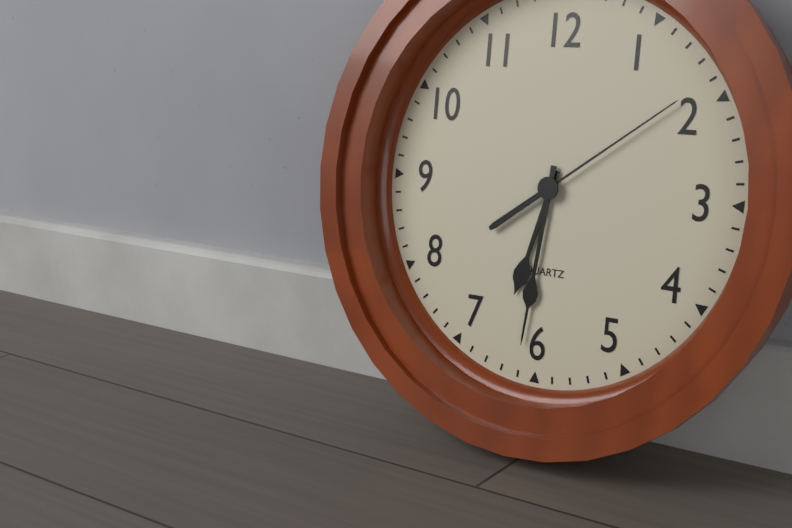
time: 6:31:09
